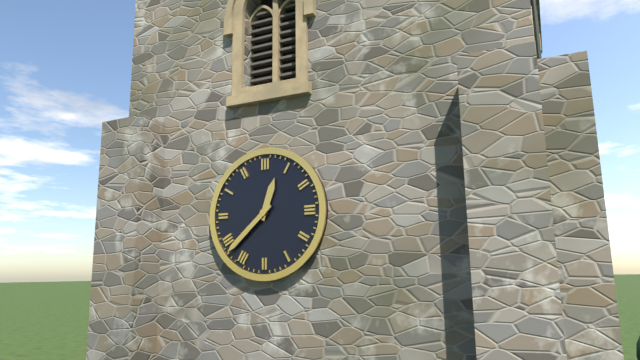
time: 12:38
